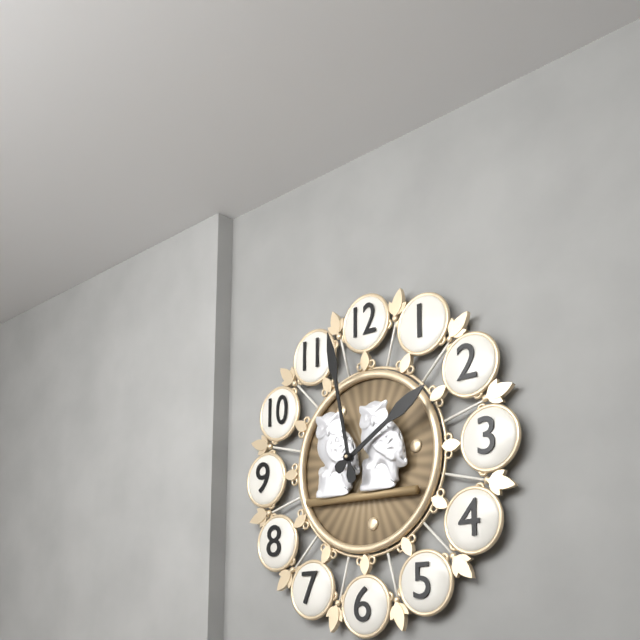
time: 1:58
